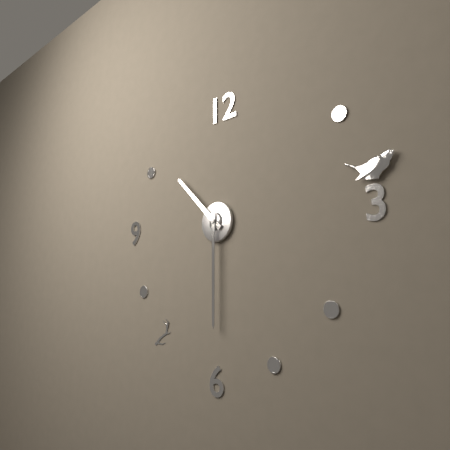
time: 10:30
